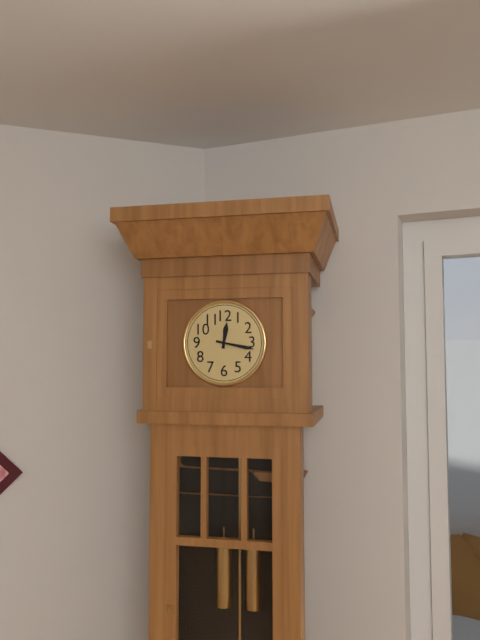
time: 12:17
